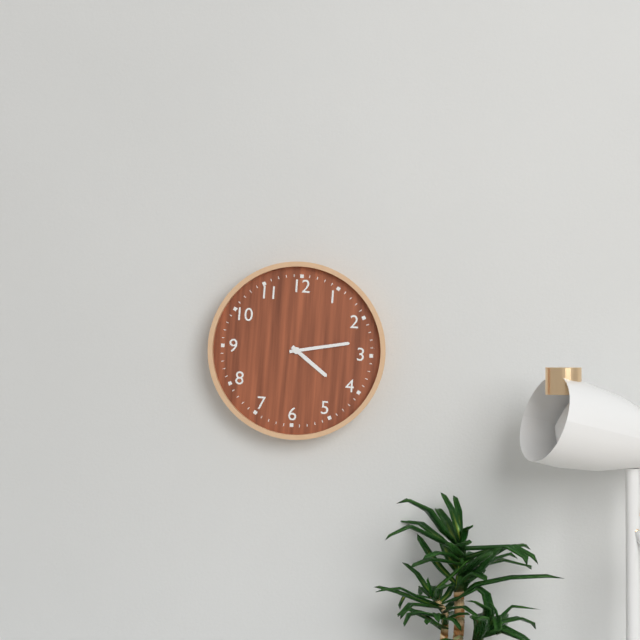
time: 4:13
